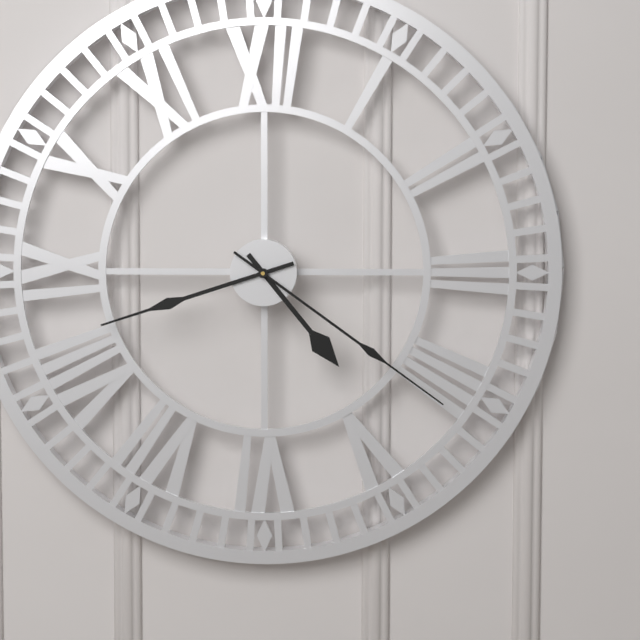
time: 4:42:21
